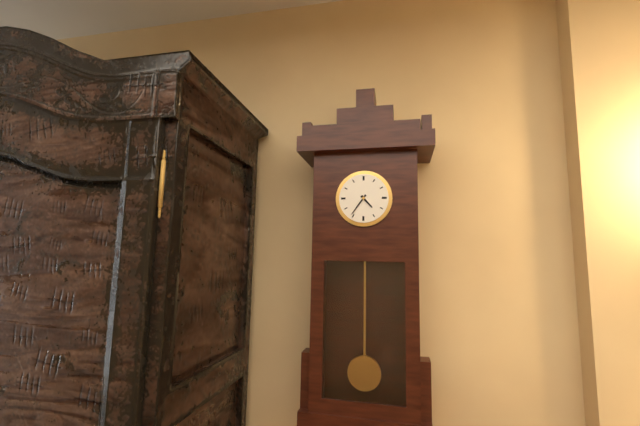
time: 4:36
